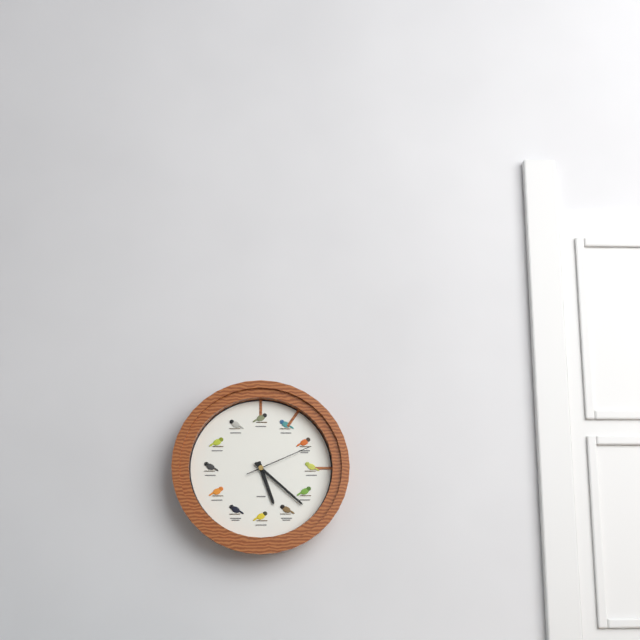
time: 5:22:11
